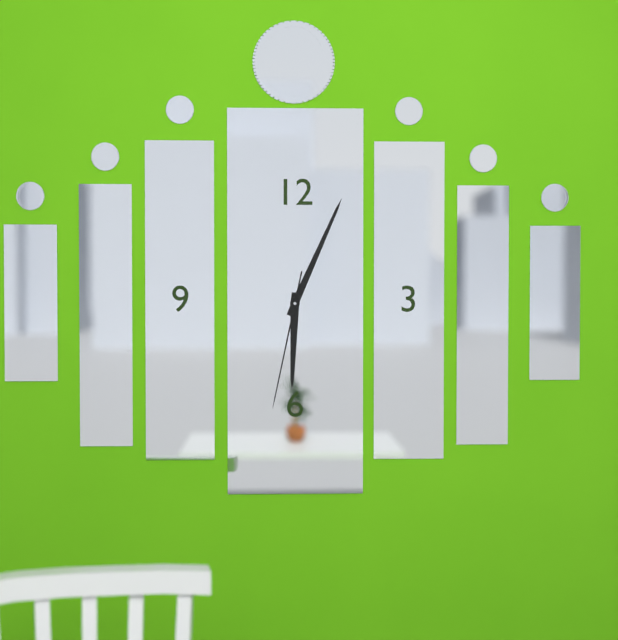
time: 6:04:32
